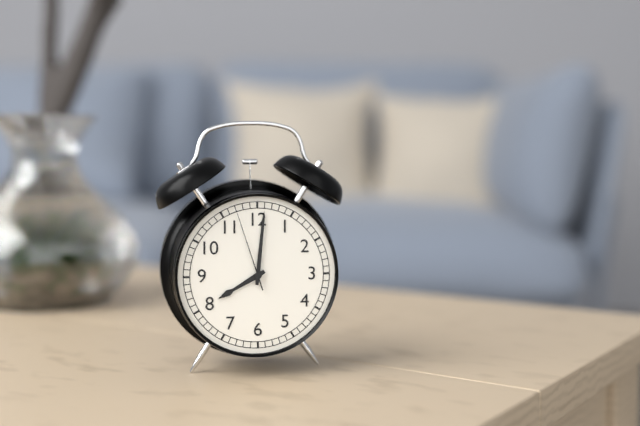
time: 8:01:57
